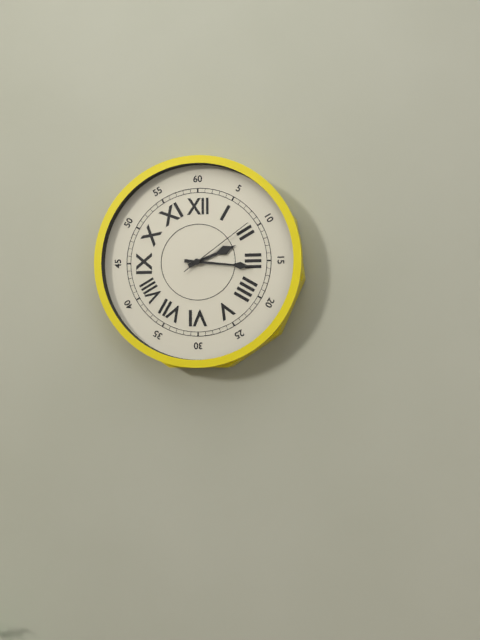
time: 2:16:09
